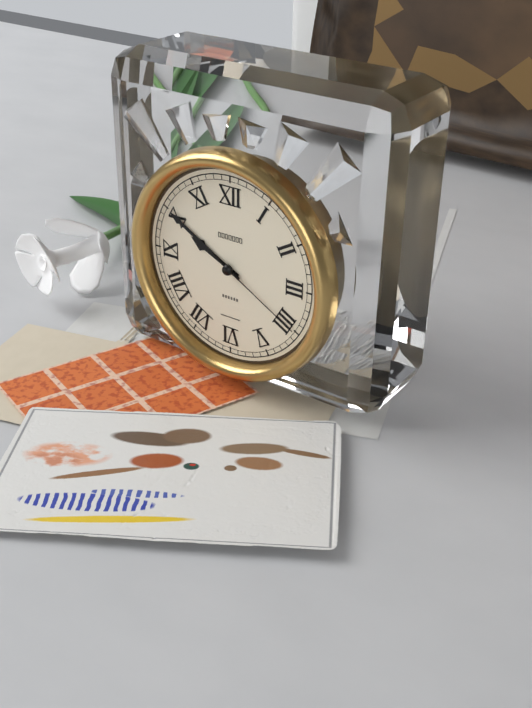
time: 9:50:20
